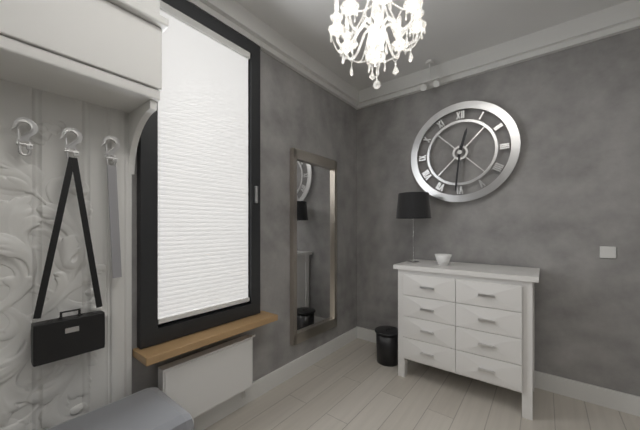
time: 12:31
